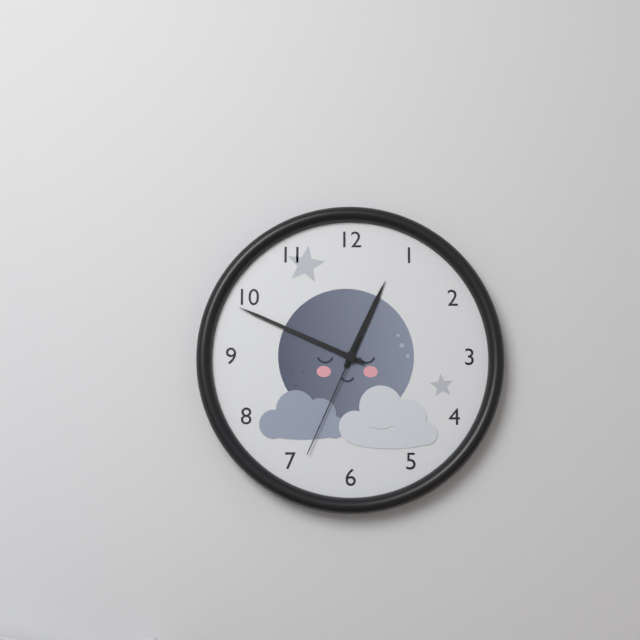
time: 12:49:34
